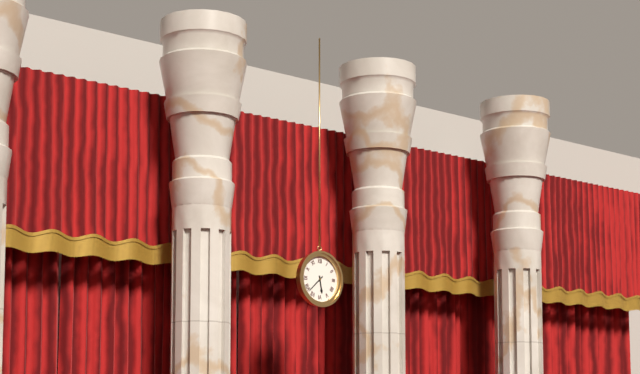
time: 5:38
